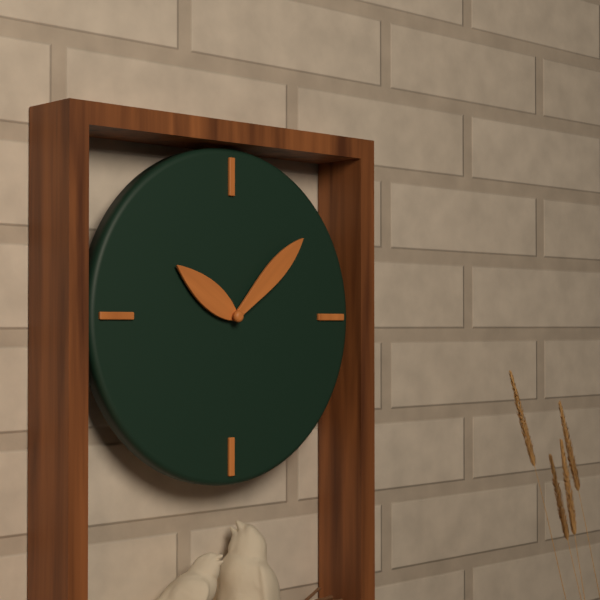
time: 10:08
